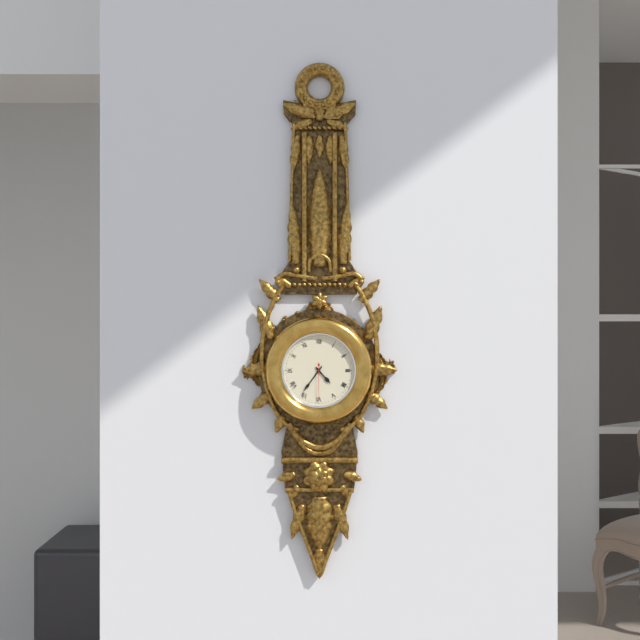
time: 4:36
